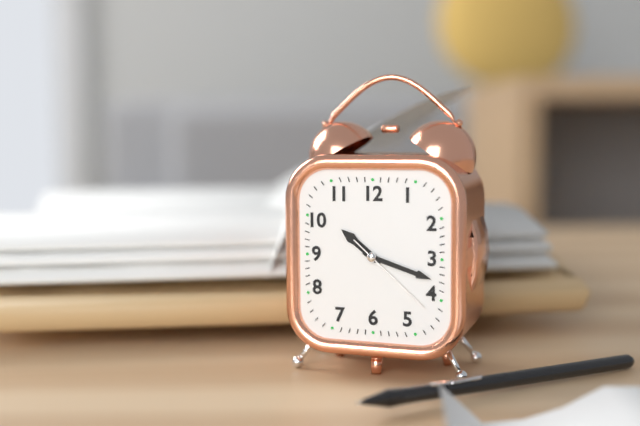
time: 10:18:22
